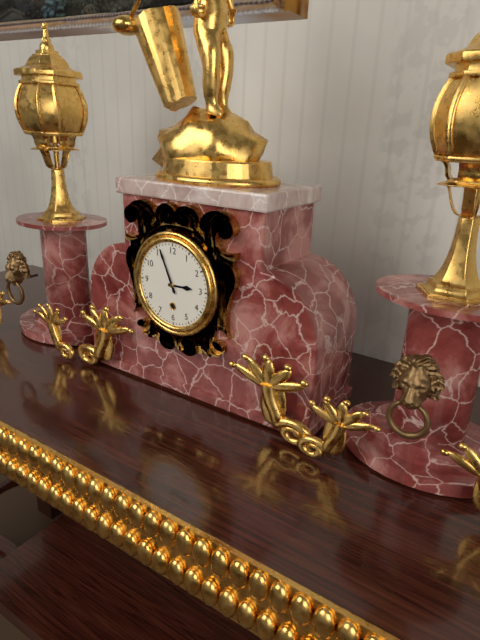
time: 2:56
